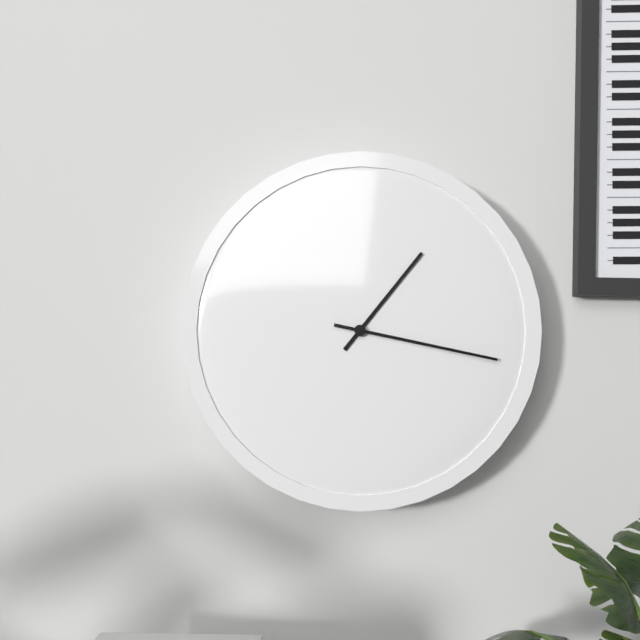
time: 1:17
